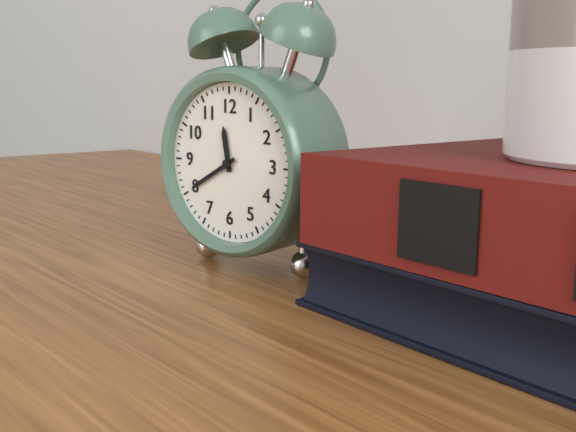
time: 11:40
